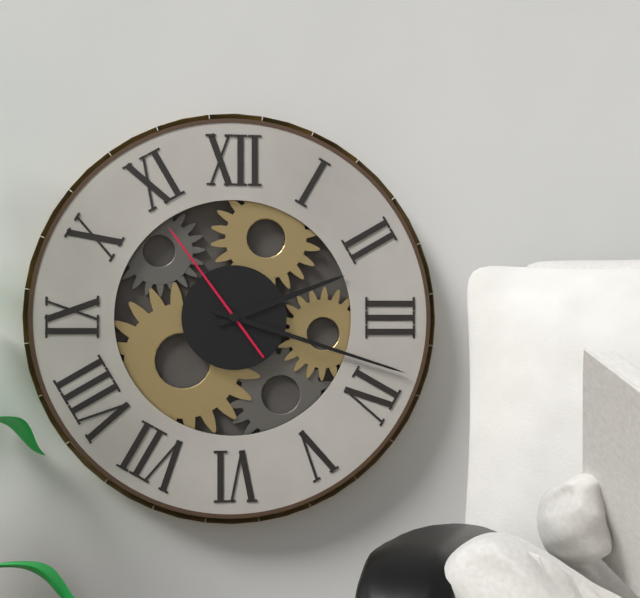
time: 2:18:54
